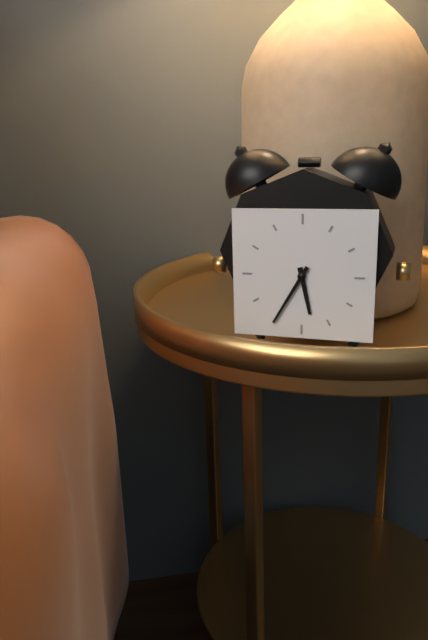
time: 5:35
